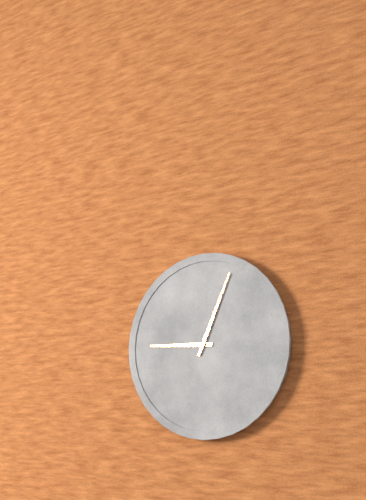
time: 9:04
